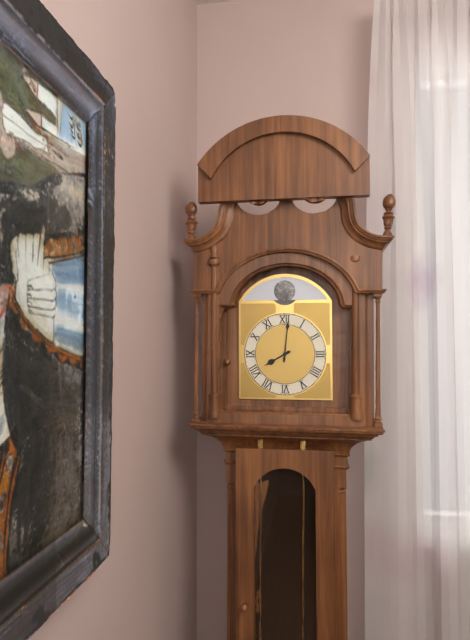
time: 8:01
